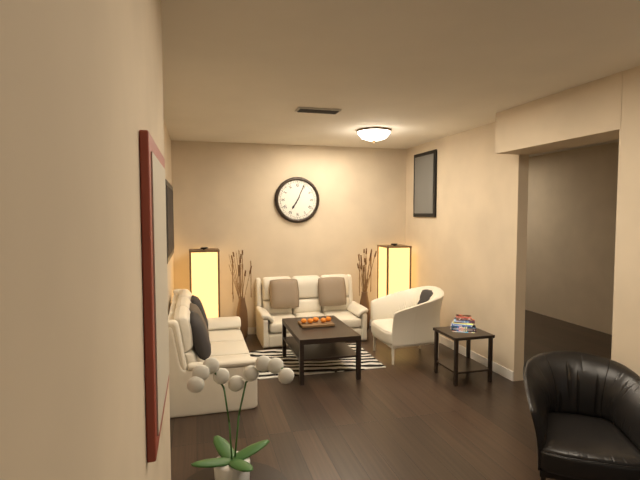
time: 7:04
